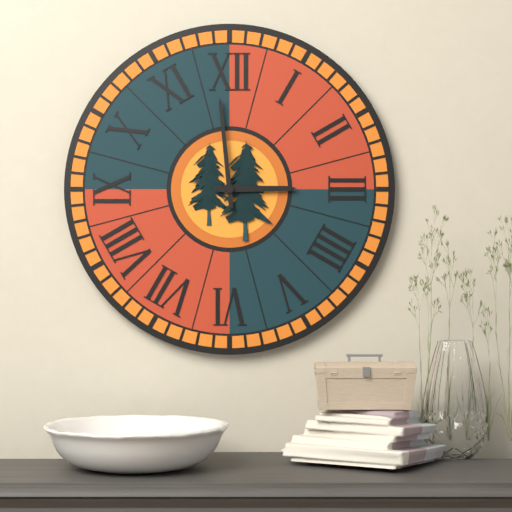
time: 2:59
